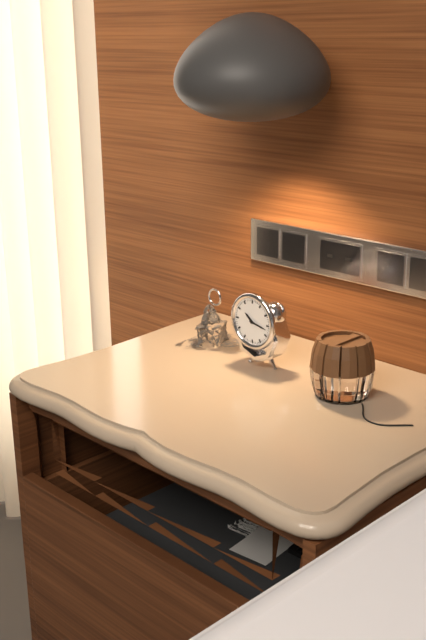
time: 10:17
